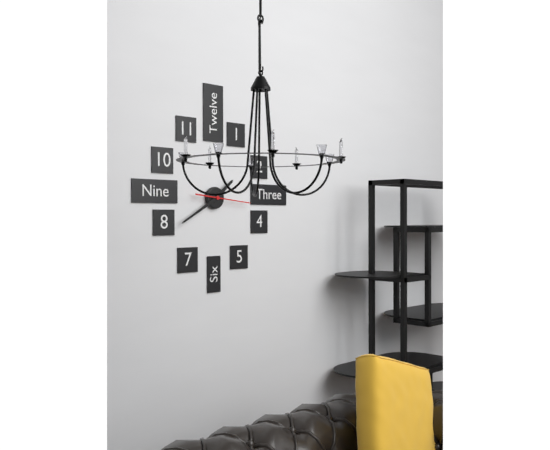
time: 1:40
